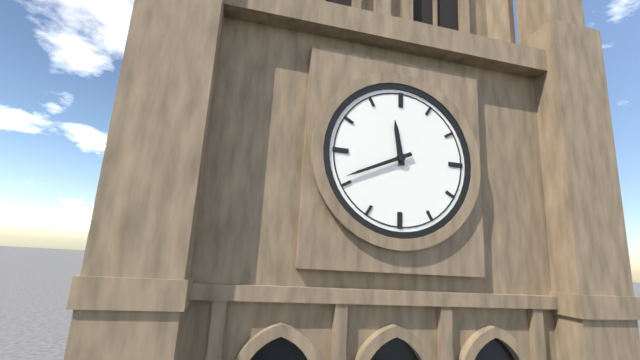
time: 11:41
